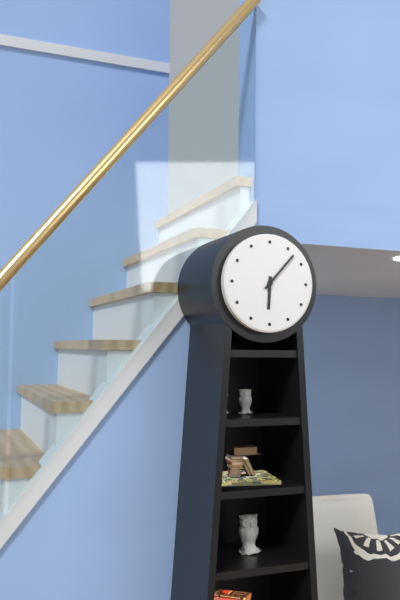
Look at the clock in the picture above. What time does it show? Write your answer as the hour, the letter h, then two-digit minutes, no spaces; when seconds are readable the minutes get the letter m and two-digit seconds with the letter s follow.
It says 6h07
